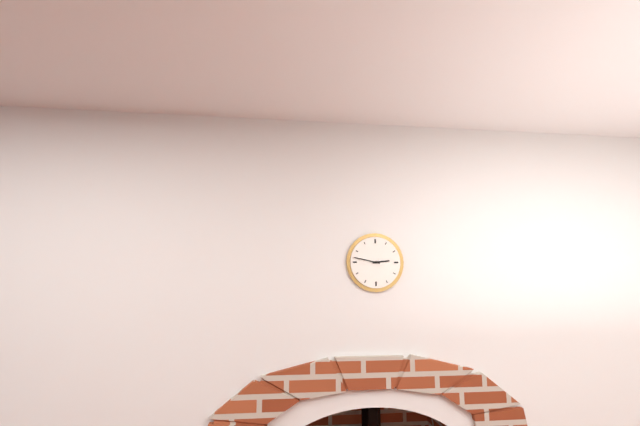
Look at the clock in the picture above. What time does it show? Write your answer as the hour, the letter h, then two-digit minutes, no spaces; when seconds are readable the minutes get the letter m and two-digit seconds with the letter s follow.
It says 2h47
